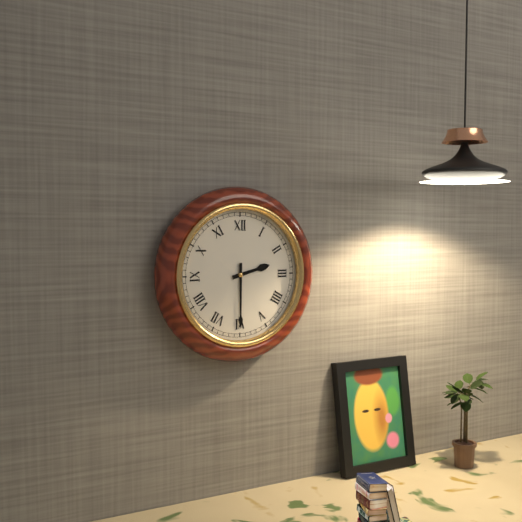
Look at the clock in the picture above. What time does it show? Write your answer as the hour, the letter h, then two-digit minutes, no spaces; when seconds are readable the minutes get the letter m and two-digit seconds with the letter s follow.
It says 2h30
